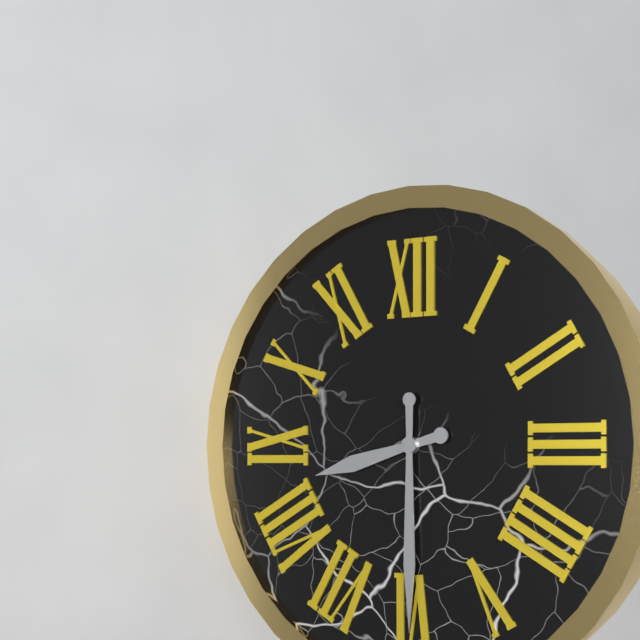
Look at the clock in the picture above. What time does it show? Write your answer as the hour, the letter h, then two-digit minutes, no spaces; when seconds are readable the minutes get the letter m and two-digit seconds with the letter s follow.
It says 8h30
